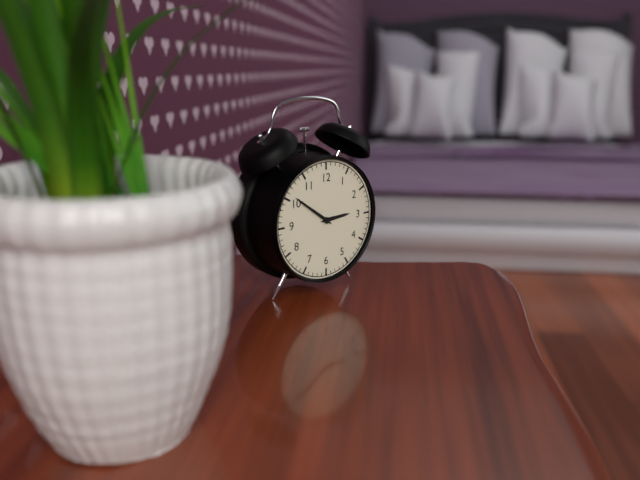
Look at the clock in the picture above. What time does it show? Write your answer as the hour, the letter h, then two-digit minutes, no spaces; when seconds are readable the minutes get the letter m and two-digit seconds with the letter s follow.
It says 2h51
